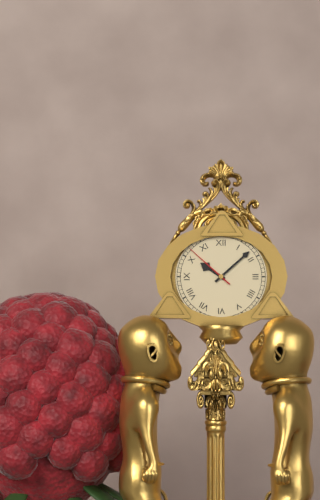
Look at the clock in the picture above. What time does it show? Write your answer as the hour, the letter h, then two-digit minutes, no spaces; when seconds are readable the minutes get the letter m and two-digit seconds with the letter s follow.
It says 10h08m52s
